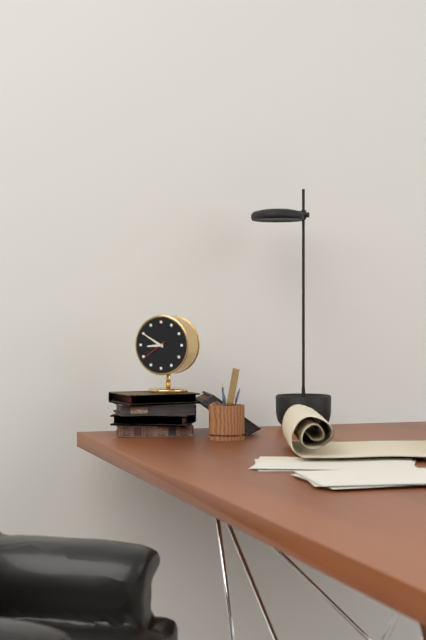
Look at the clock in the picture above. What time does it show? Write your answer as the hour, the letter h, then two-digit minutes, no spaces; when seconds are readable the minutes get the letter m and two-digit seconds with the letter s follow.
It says 8h50
